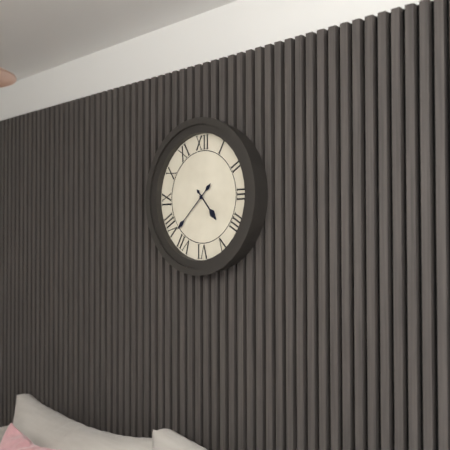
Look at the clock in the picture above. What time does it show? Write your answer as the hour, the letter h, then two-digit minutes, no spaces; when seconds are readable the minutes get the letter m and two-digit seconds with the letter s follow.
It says 4h38
